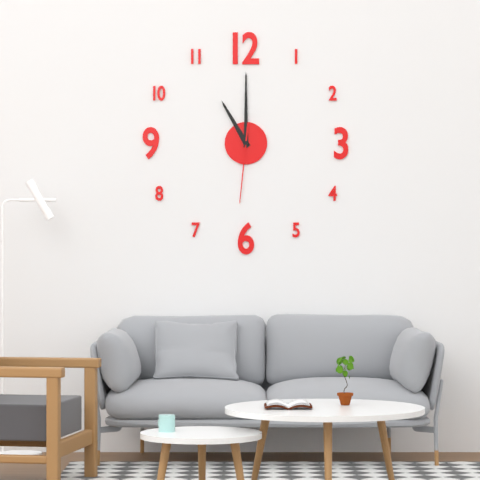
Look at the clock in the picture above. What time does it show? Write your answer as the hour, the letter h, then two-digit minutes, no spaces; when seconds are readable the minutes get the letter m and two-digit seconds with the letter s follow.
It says 11h00m31s
